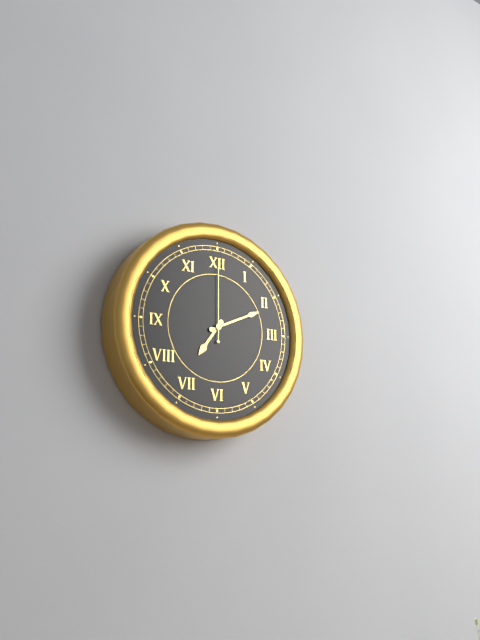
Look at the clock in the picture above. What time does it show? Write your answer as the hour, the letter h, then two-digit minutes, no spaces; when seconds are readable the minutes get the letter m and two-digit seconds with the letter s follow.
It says 7h11m00s
